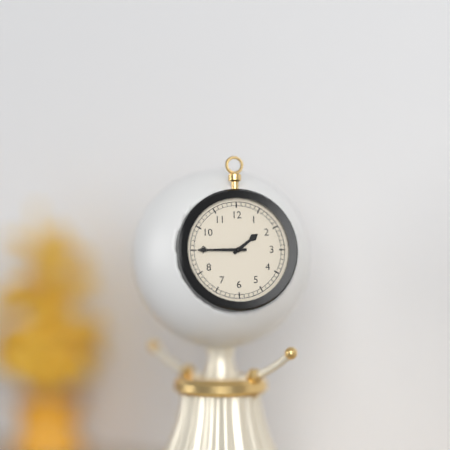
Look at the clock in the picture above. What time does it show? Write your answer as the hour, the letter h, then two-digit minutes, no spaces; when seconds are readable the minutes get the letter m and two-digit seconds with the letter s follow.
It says 1h45
